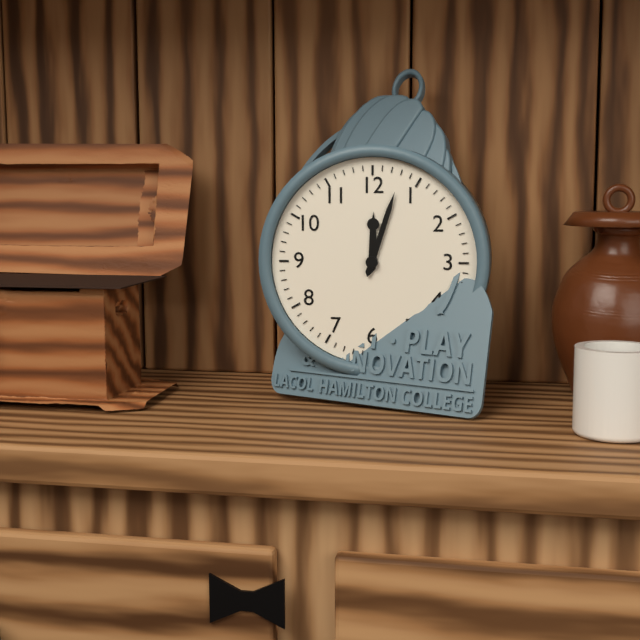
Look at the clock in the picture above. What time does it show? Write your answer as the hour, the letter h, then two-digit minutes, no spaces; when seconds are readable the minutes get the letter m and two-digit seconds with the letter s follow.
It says 12h03
